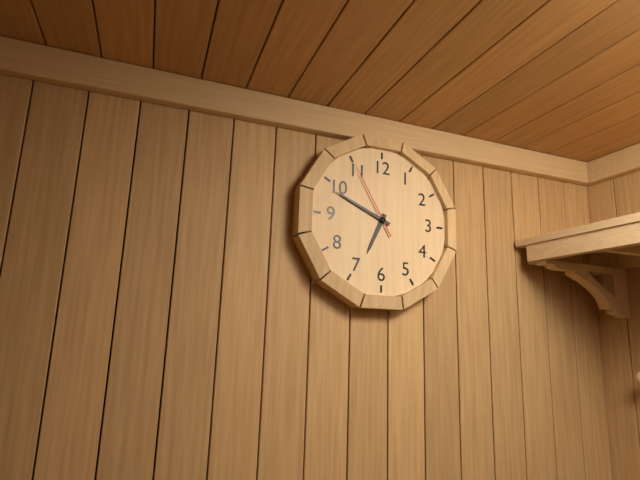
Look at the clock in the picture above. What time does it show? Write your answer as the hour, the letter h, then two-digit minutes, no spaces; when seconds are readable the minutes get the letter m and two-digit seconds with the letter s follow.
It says 6h49m55s
